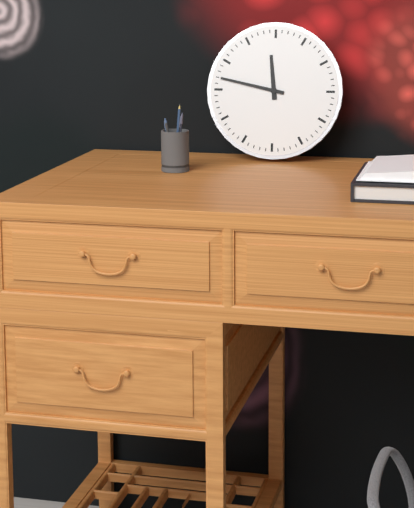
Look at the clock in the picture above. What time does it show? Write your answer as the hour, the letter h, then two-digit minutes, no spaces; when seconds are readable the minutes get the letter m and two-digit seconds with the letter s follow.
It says 11h47
